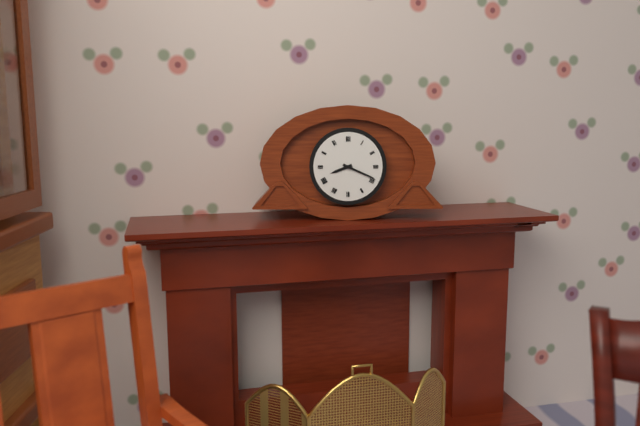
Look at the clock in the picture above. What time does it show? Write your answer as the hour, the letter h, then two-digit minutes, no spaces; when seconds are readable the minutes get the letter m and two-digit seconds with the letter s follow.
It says 8h19
